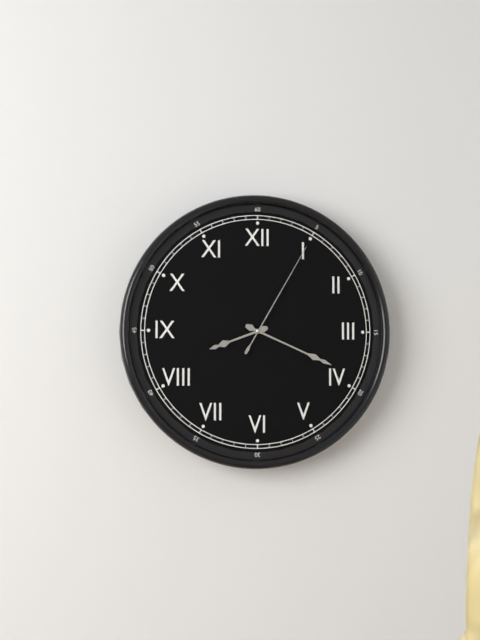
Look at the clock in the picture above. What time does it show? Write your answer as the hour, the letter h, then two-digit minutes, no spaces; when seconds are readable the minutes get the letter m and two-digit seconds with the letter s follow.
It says 8h19m05s
